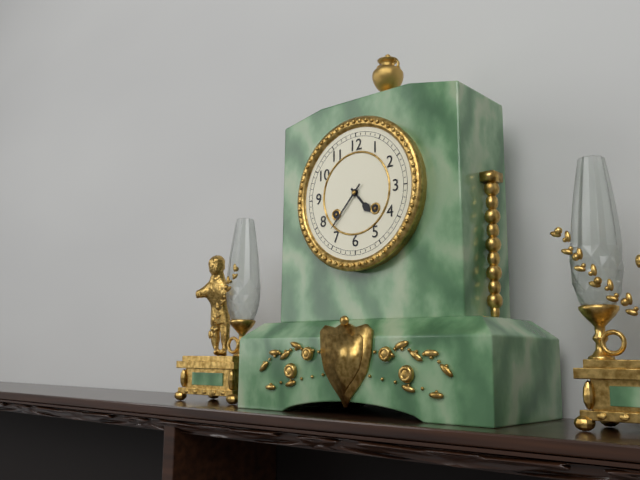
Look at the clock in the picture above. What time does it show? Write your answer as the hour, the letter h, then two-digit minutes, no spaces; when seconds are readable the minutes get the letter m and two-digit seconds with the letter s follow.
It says 4h37
